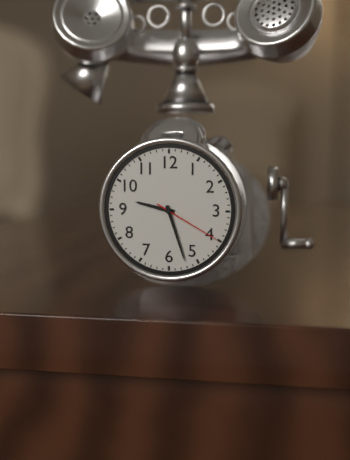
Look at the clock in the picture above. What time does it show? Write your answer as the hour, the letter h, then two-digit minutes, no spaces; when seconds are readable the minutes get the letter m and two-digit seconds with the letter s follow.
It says 9h27m20s
